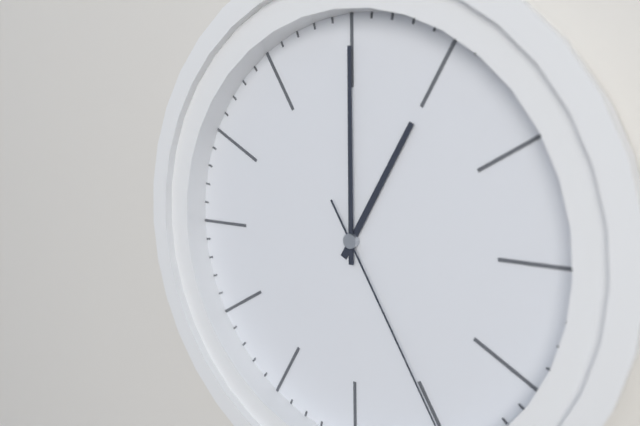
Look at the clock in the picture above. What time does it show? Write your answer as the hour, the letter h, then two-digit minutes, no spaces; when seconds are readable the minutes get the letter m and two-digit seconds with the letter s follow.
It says 1h00
